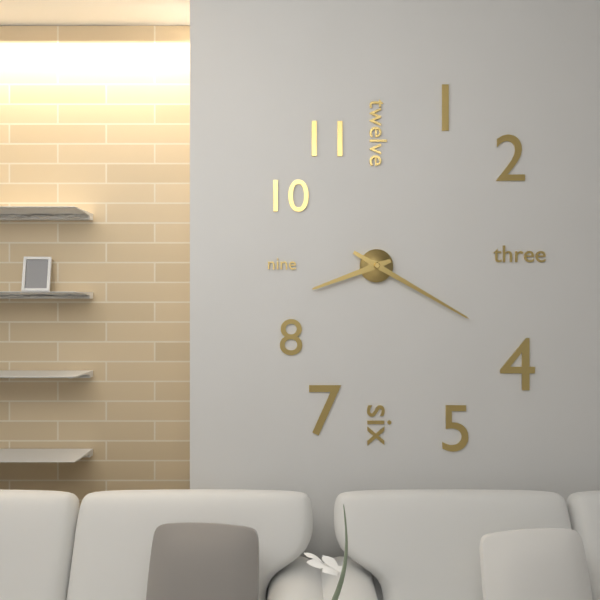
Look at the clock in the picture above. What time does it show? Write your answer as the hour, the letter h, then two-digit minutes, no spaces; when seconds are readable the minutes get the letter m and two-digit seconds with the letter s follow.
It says 8h20
